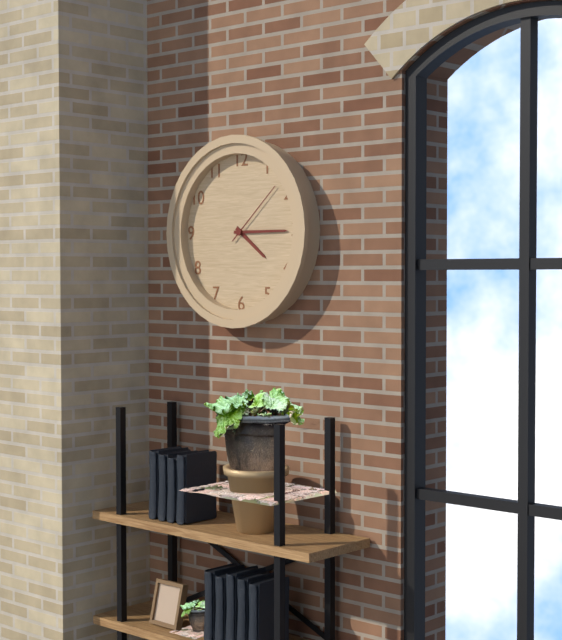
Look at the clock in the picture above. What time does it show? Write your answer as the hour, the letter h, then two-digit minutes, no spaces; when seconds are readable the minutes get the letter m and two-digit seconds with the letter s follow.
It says 4h15m08s
